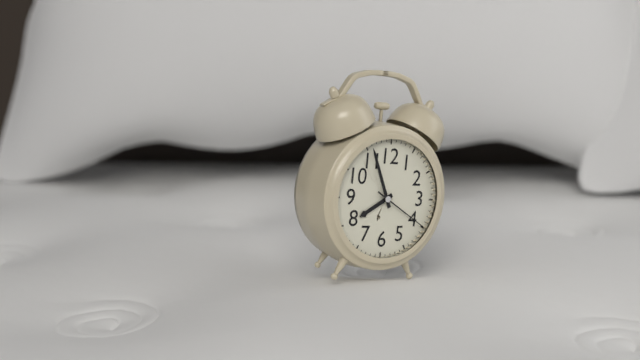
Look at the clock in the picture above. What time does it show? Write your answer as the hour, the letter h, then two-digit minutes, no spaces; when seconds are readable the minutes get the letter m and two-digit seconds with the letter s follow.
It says 7h56m20s
